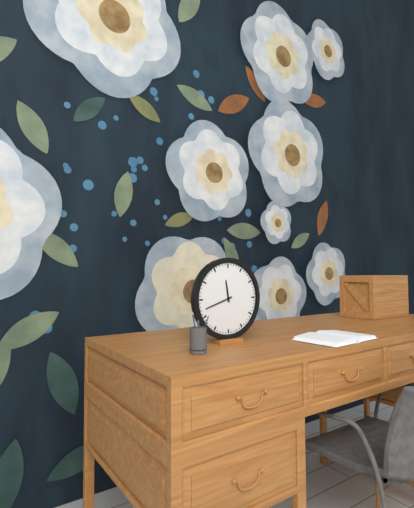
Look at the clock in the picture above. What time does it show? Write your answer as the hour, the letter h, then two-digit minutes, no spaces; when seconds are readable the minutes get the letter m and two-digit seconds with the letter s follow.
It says 11h42
